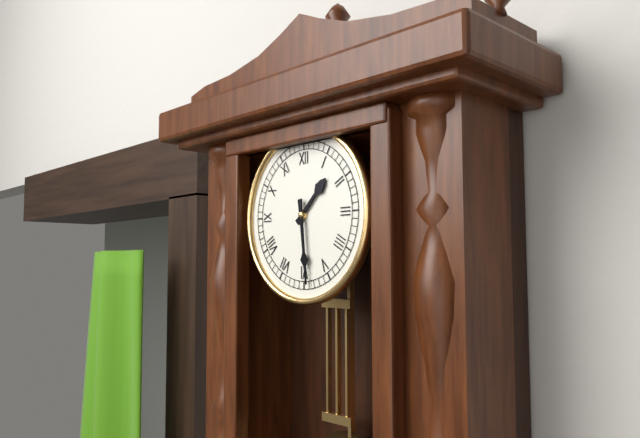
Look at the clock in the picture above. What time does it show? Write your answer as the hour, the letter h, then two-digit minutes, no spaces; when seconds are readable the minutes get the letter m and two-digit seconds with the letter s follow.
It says 1h29
